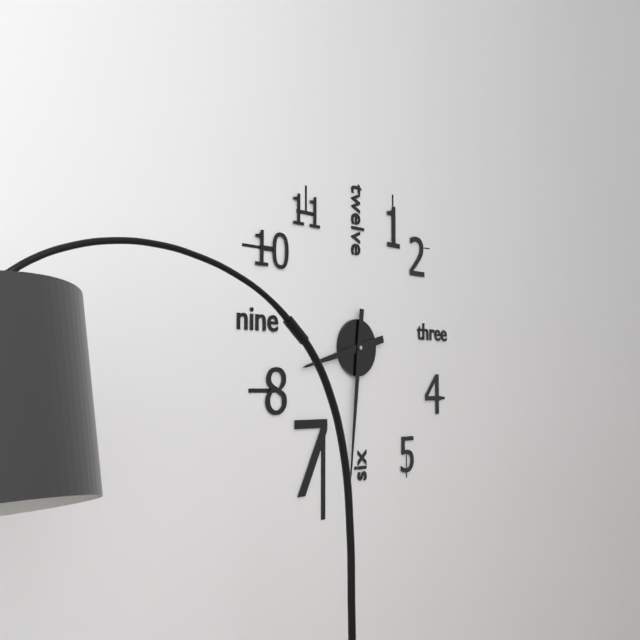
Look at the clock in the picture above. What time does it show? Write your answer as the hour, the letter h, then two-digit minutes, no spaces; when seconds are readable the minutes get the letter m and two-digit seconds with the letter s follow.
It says 8h31
